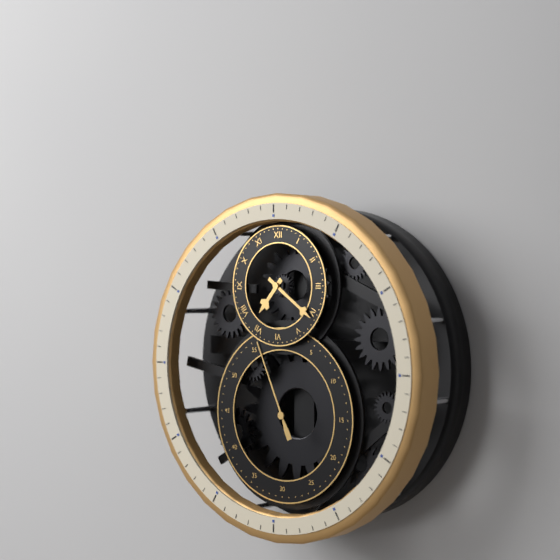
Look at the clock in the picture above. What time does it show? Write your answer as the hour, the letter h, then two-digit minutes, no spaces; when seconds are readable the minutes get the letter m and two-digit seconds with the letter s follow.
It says 7h21m56s
